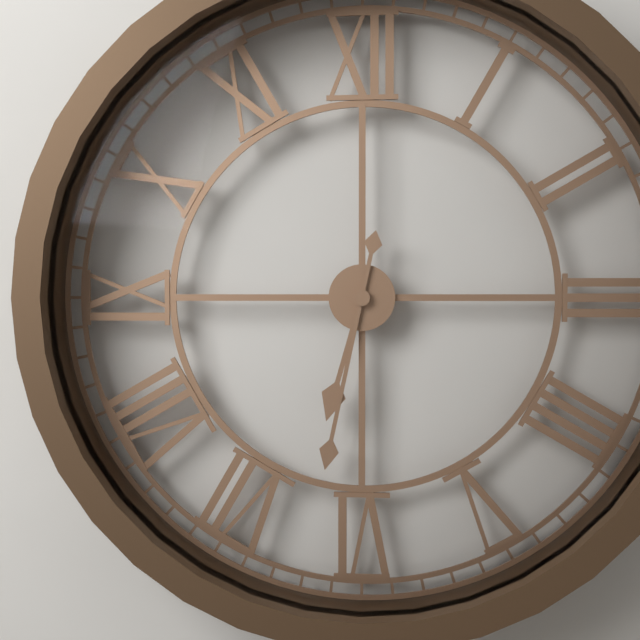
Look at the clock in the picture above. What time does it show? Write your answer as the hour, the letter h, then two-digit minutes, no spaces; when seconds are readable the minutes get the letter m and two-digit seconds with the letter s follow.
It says 6h32
